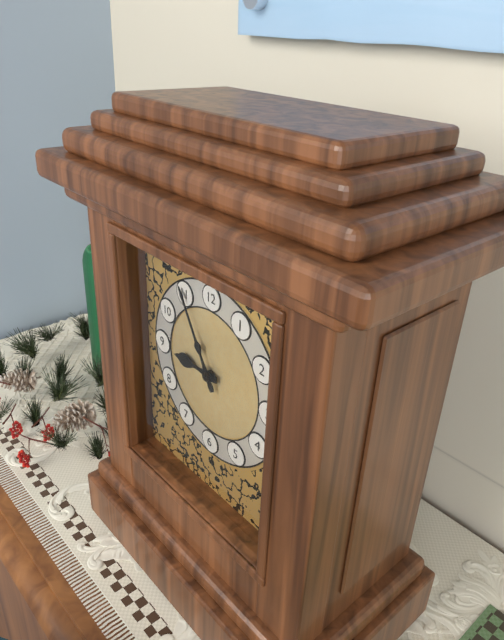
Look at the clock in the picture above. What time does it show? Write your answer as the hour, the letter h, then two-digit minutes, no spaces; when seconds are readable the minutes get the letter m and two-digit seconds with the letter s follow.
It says 8h55
